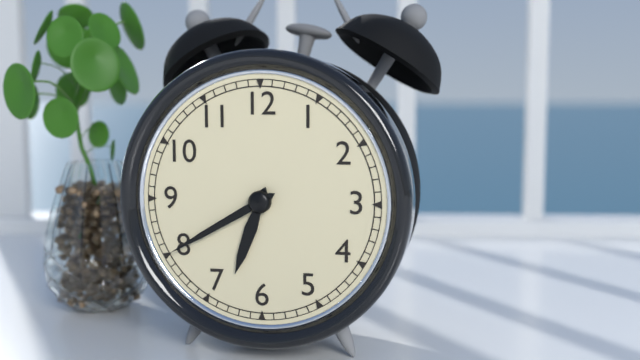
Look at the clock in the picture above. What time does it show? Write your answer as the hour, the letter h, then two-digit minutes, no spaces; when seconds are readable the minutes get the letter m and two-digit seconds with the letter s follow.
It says 6h40
